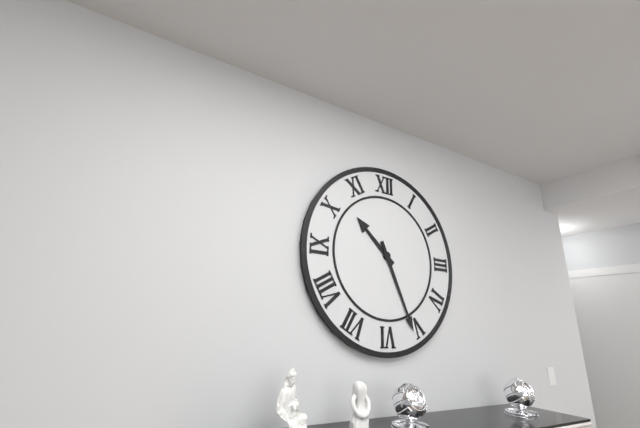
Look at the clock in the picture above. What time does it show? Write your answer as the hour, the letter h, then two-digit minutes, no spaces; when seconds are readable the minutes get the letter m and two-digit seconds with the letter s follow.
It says 10h26
